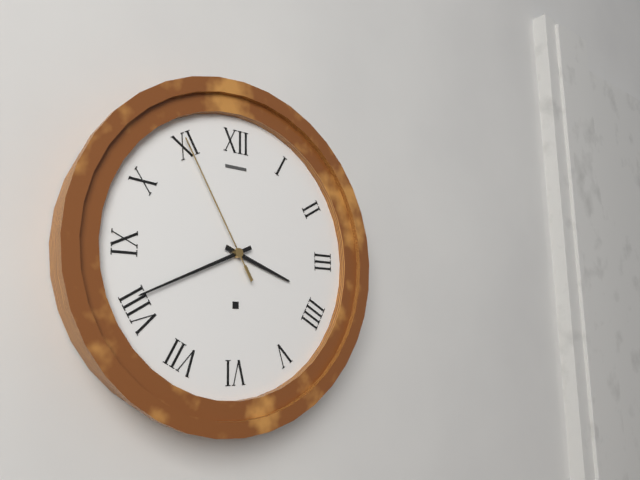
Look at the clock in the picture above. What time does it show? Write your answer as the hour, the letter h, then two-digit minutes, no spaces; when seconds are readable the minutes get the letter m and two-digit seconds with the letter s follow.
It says 3h41m55s
